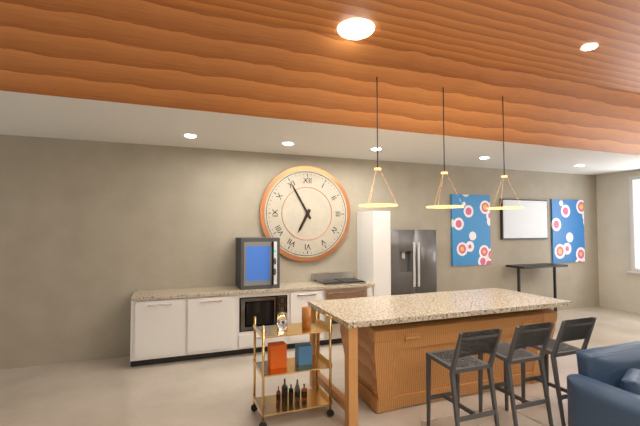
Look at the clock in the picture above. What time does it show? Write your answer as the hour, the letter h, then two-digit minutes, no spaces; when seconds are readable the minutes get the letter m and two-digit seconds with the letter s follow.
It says 6h55
